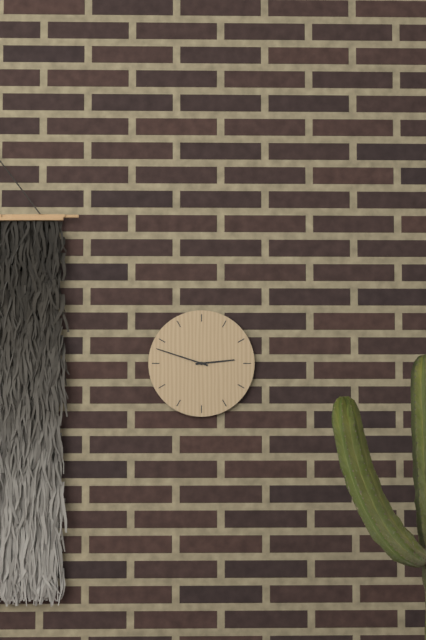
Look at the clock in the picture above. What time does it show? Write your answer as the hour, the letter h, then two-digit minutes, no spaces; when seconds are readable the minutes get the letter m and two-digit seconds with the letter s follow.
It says 2h48
